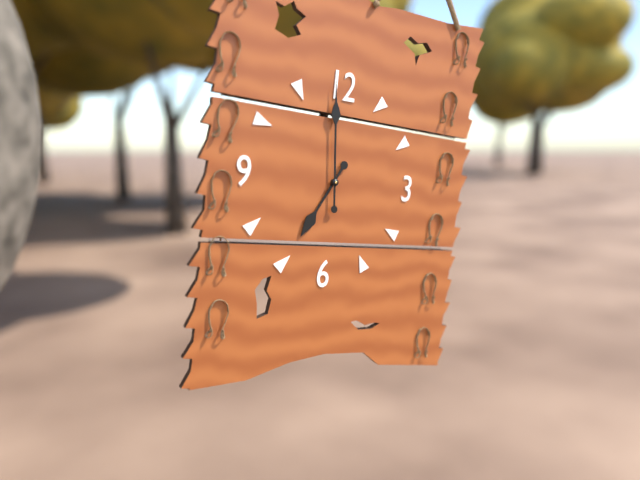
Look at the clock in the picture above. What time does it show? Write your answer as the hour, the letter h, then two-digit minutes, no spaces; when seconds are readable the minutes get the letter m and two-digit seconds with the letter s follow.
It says 6h59
